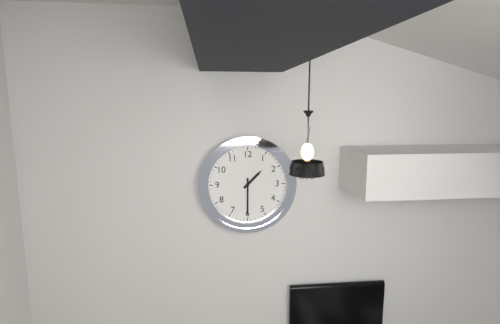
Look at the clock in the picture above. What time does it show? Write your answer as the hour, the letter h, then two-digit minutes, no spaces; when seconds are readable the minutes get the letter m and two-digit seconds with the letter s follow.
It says 1h30
